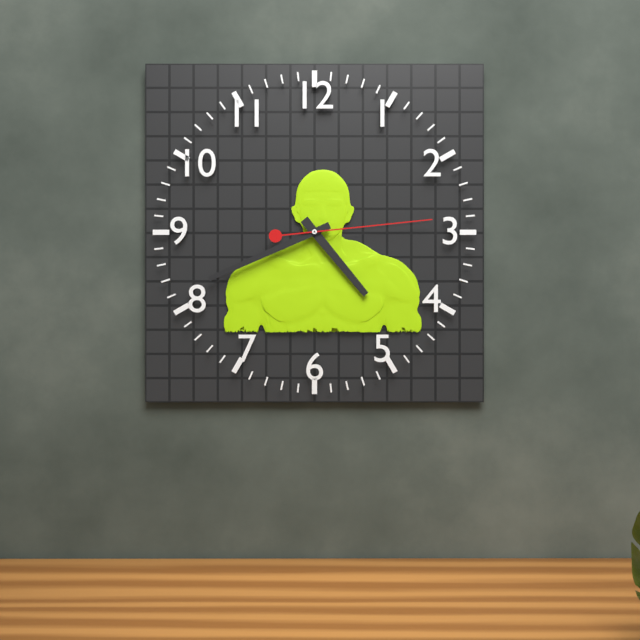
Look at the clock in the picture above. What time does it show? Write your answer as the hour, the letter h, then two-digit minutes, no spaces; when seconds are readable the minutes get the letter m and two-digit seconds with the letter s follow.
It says 4h41m14s
